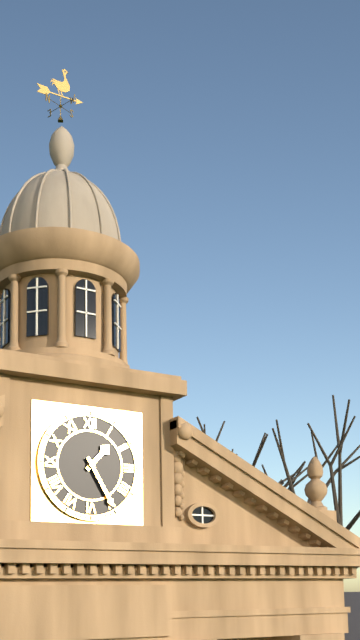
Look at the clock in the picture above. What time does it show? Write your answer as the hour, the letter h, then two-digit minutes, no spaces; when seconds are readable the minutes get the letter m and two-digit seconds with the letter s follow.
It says 1h25
